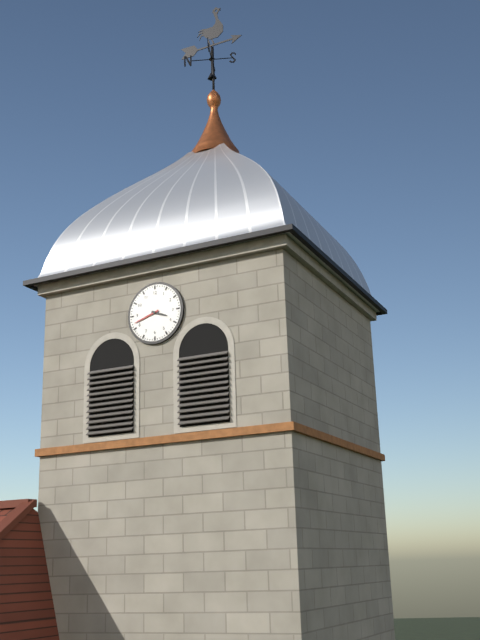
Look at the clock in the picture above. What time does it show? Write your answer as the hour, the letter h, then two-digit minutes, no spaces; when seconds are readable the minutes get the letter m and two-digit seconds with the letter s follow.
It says 3h42
